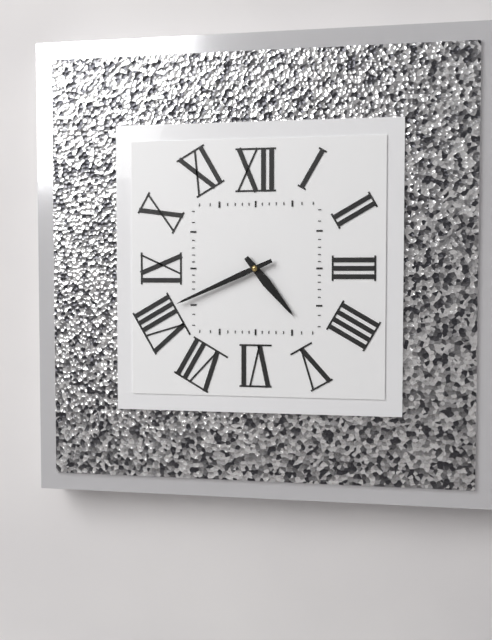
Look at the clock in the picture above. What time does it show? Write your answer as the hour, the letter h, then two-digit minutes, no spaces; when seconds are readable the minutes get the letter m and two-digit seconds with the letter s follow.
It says 4h41
